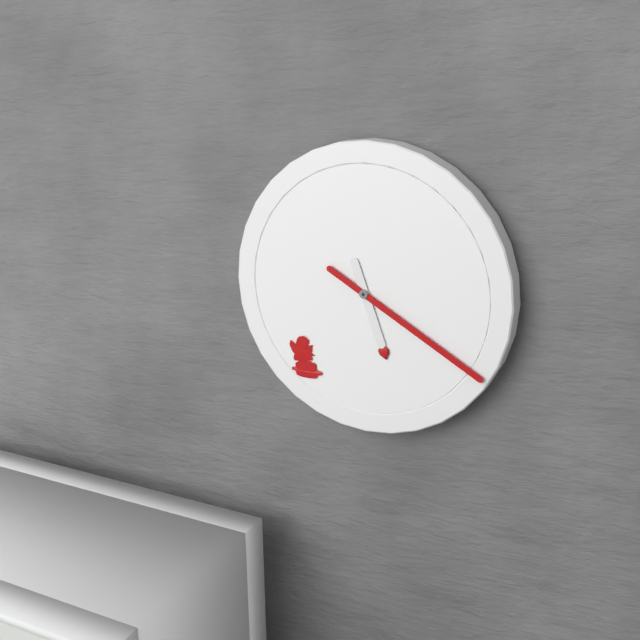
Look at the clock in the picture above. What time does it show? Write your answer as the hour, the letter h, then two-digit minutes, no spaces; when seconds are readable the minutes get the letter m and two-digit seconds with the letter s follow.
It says 5h20
